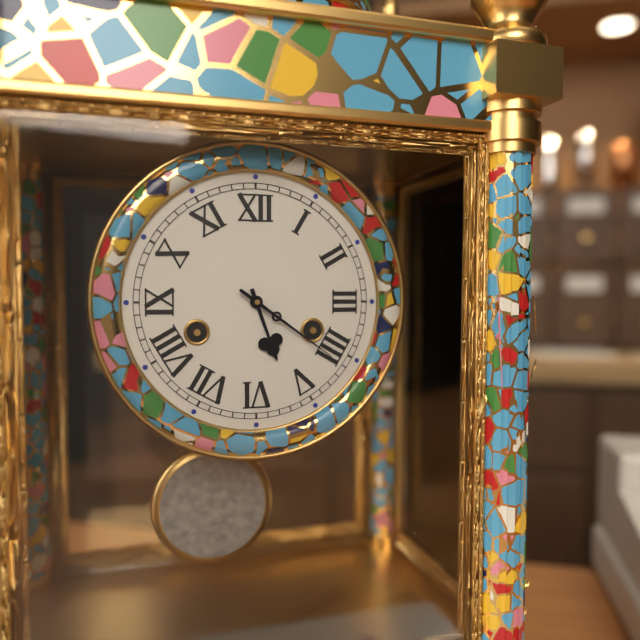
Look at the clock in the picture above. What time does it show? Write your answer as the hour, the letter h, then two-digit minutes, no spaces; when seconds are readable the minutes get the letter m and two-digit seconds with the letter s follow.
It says 5h21
